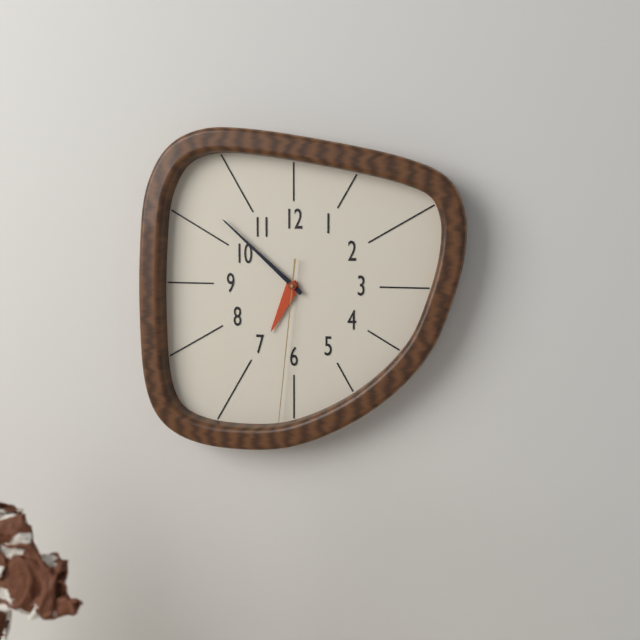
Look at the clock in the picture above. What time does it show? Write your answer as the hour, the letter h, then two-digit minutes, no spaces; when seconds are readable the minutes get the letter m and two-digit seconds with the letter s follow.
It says 6h52m31s
